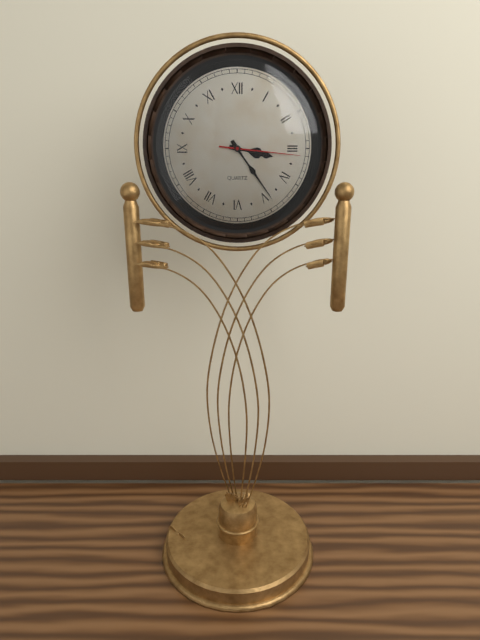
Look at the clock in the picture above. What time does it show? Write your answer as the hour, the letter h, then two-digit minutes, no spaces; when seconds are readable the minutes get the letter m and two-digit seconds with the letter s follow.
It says 3h24m16s
